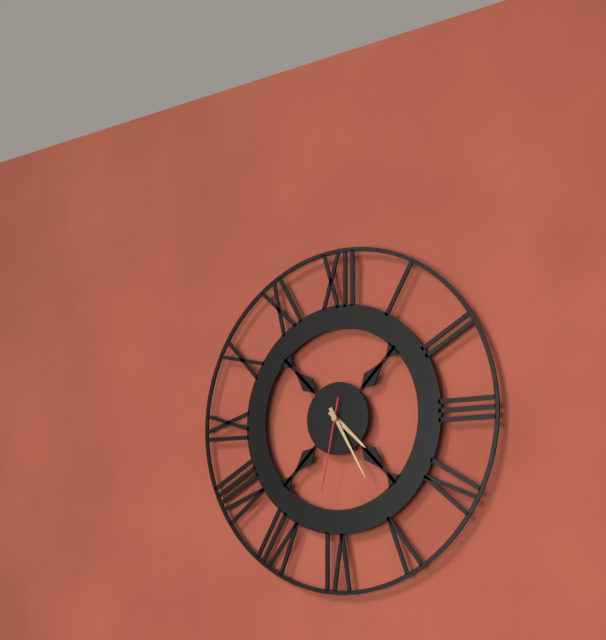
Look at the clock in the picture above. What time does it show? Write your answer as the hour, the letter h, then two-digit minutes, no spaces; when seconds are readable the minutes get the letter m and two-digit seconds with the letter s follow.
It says 4h25m32s
